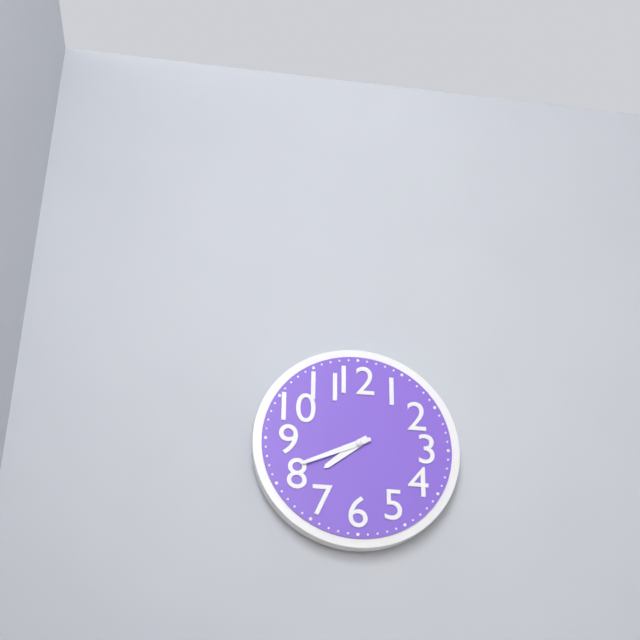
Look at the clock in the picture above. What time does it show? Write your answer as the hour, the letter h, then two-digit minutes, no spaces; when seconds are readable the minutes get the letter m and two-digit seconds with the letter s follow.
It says 7h41
